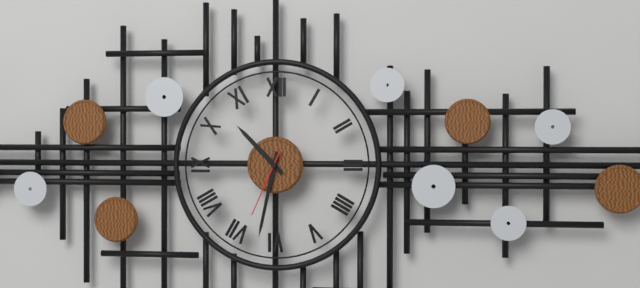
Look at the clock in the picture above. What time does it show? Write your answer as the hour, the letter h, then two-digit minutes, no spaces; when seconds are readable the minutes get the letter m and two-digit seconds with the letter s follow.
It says 10h32m34s
